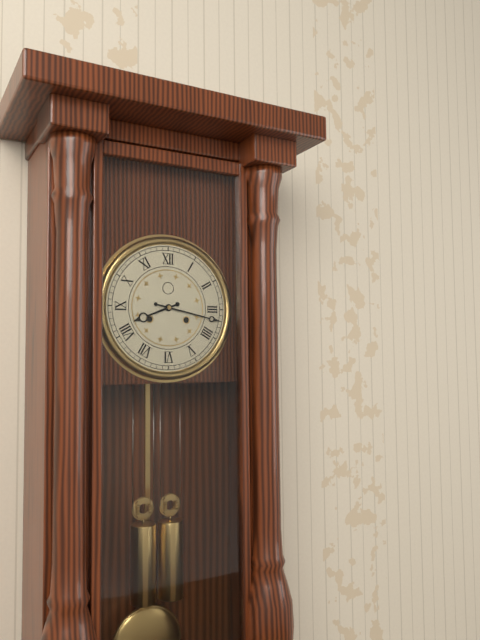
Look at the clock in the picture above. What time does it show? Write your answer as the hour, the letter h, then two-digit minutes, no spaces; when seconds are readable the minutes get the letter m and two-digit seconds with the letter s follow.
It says 8h17
